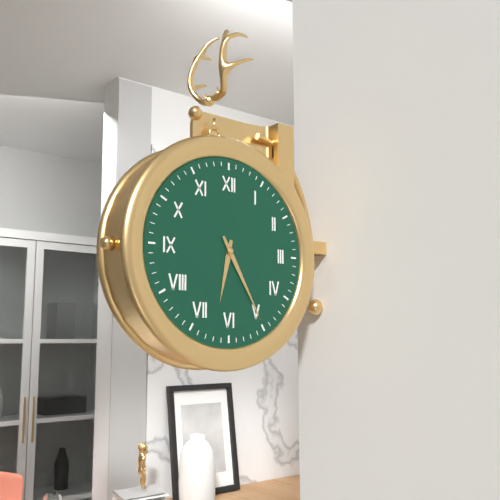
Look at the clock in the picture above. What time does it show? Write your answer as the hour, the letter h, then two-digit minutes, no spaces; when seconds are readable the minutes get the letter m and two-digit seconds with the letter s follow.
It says 6h25
